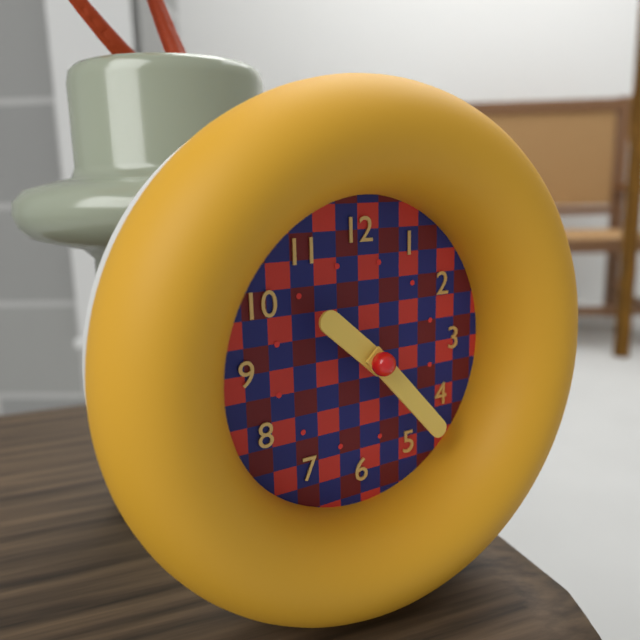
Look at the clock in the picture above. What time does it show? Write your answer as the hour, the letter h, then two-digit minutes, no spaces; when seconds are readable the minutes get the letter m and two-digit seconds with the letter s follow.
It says 10h23
